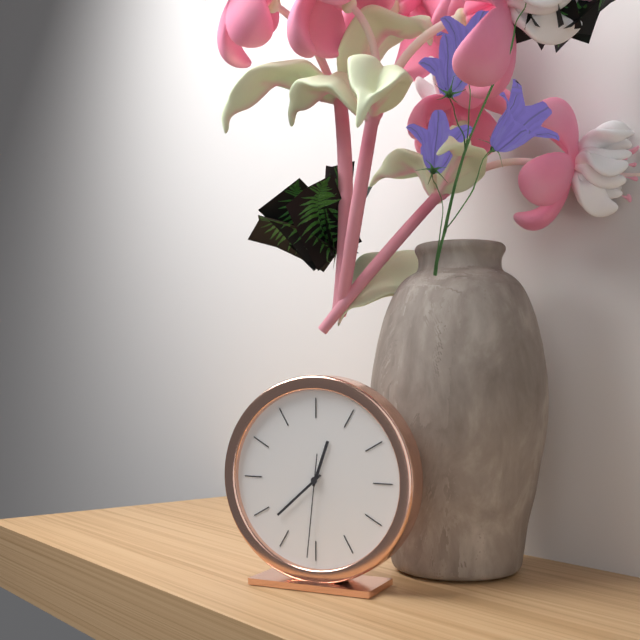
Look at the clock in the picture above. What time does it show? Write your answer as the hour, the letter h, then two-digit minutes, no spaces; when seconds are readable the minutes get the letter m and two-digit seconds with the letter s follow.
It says 12h38m31s
